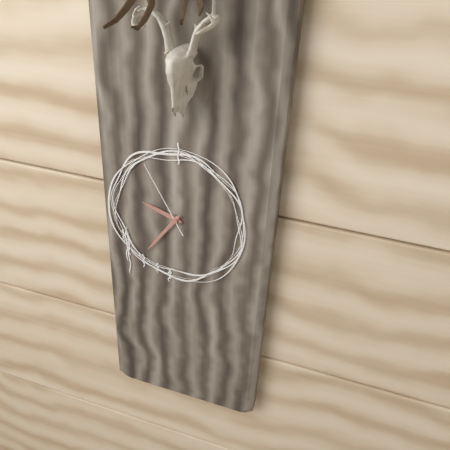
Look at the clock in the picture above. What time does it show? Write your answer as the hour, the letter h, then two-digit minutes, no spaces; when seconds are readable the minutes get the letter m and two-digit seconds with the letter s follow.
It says 9h36m55s
